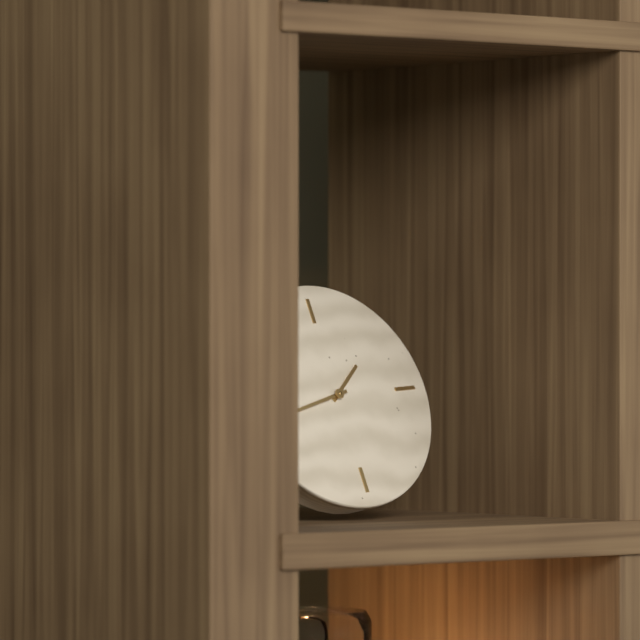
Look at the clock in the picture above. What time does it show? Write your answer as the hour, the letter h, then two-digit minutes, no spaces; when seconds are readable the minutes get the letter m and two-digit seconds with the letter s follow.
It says 1h43
